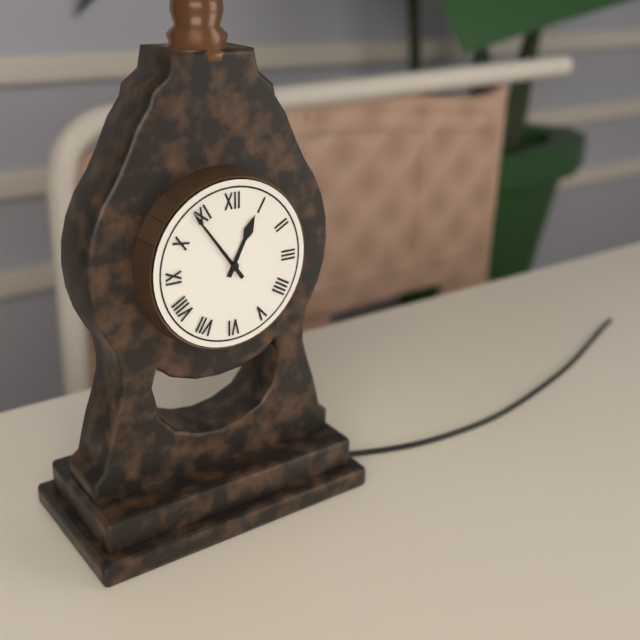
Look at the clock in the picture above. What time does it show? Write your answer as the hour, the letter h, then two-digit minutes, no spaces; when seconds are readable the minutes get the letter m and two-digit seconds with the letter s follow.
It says 12h54
